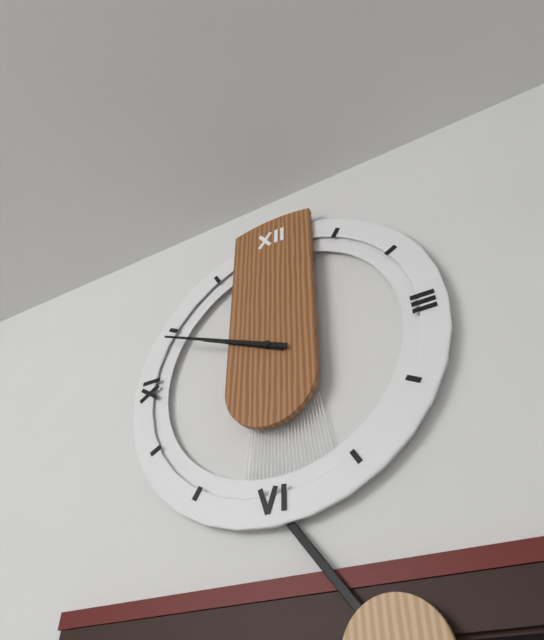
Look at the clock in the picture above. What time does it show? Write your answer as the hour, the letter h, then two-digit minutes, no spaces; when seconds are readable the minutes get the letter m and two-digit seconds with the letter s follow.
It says 9h49
